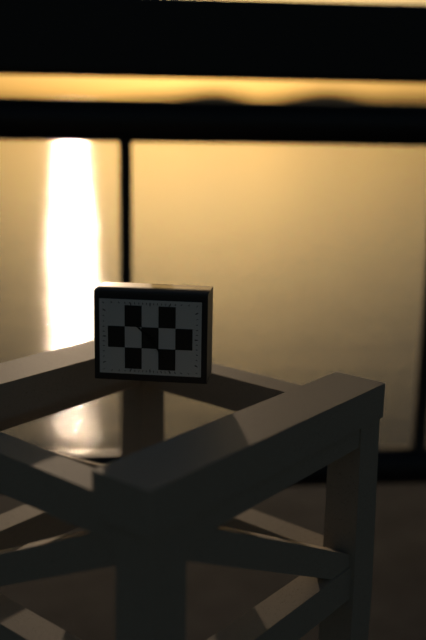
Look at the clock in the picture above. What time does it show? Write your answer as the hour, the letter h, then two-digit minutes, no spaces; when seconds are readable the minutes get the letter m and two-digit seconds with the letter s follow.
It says 10h24
